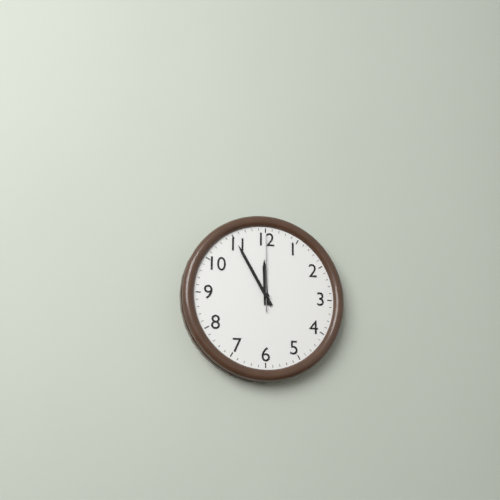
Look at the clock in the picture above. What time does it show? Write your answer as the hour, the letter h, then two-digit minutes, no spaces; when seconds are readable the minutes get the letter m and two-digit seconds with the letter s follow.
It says 11h55m00s
